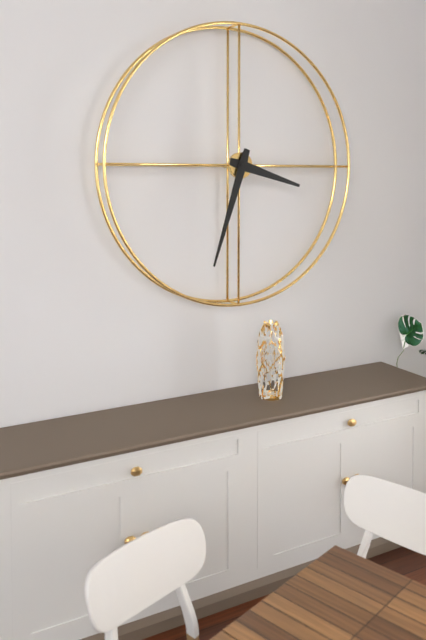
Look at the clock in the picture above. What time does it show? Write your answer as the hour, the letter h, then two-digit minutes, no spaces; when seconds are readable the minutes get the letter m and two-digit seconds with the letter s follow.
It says 3h33
